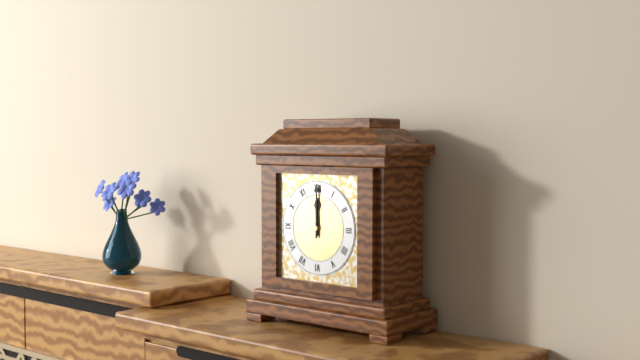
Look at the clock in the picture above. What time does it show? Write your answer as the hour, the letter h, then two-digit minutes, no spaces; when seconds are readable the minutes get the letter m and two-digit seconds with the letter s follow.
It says 12h00
